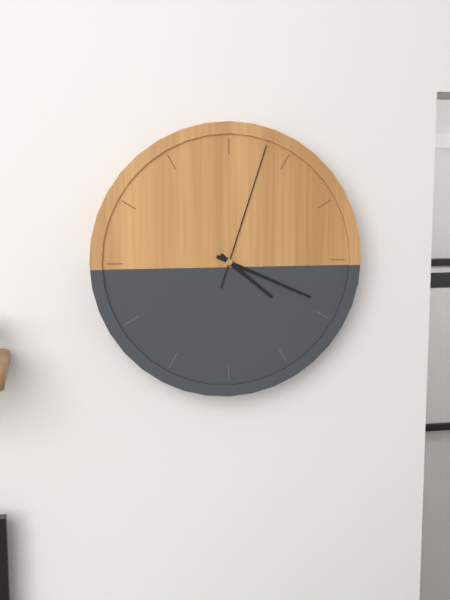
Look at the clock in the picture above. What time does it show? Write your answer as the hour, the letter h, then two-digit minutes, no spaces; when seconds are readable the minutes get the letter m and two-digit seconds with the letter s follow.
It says 4h19m03s
